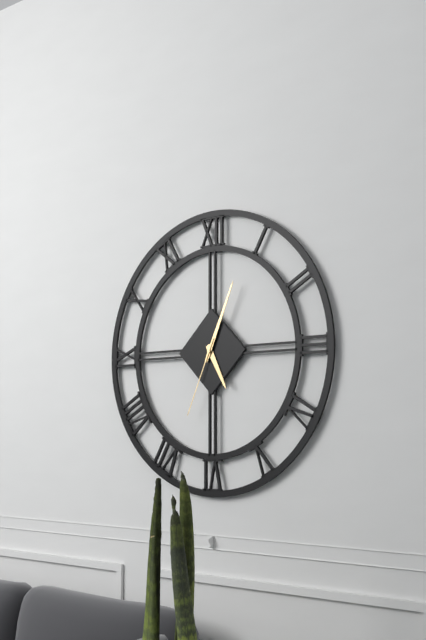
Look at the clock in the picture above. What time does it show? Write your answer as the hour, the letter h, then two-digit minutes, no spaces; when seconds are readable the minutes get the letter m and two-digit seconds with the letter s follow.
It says 5h04m34s
